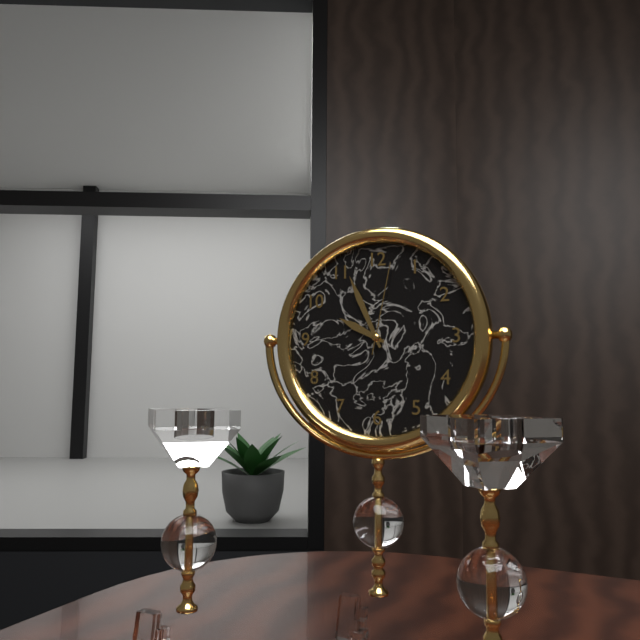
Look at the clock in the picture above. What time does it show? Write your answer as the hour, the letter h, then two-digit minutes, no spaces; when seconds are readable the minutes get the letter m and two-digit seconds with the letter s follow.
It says 9h56m02s
